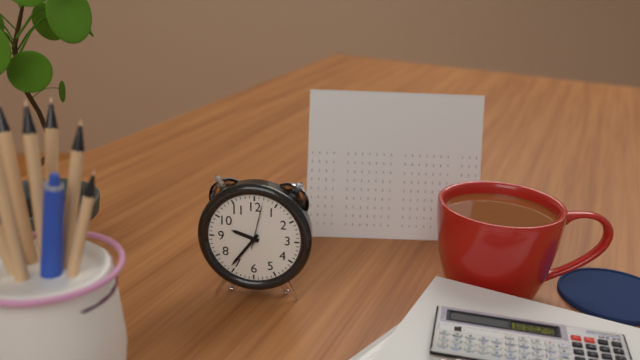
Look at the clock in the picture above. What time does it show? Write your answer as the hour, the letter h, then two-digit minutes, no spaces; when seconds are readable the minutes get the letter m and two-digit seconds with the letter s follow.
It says 9h36
